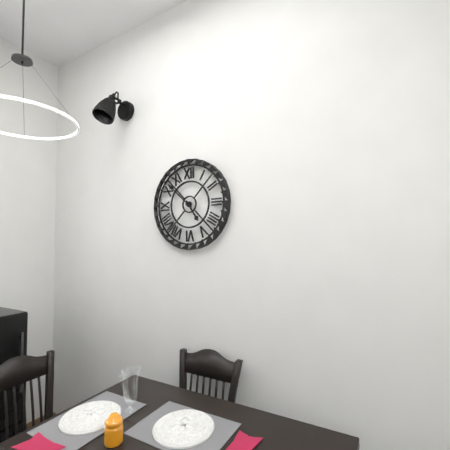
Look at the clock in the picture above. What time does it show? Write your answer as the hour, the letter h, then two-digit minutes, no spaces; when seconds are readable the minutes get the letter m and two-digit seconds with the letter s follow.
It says 4h52
